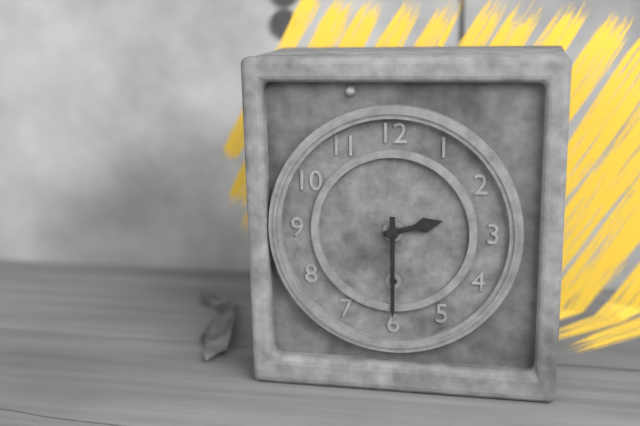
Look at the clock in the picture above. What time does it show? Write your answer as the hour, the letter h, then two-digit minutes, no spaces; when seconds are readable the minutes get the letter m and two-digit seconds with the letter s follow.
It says 2h30
